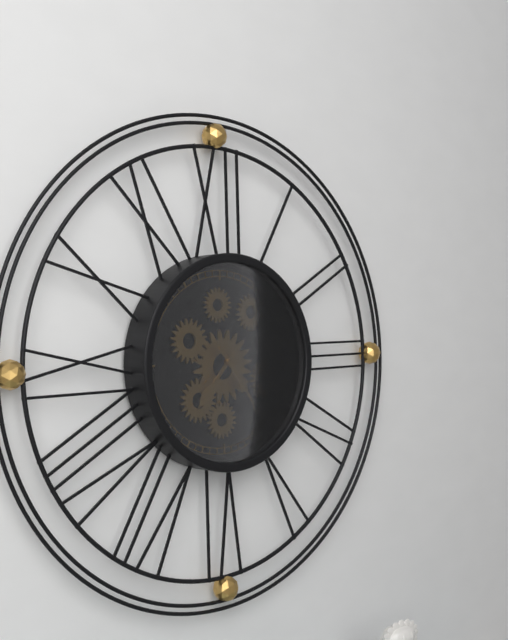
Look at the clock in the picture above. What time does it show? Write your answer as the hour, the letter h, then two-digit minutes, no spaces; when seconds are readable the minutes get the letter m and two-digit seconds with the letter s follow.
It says 7h24
